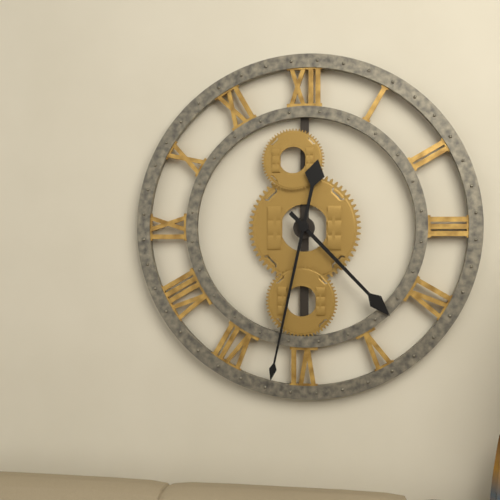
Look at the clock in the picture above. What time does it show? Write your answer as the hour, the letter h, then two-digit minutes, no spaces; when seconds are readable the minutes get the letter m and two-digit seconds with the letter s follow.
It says 4h32
